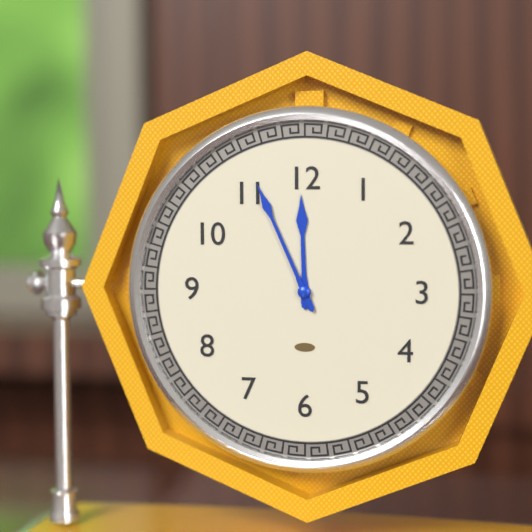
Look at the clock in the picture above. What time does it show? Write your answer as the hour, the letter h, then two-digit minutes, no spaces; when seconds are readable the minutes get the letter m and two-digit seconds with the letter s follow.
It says 11h56
